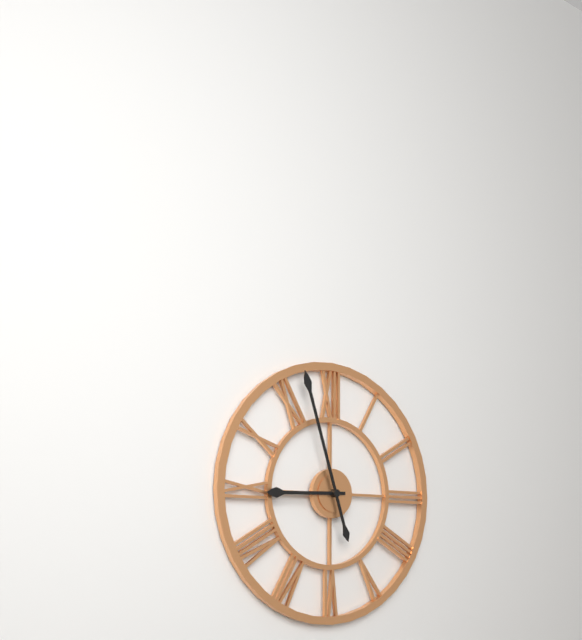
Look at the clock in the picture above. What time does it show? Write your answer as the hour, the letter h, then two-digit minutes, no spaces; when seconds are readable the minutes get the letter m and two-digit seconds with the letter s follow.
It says 8h57
